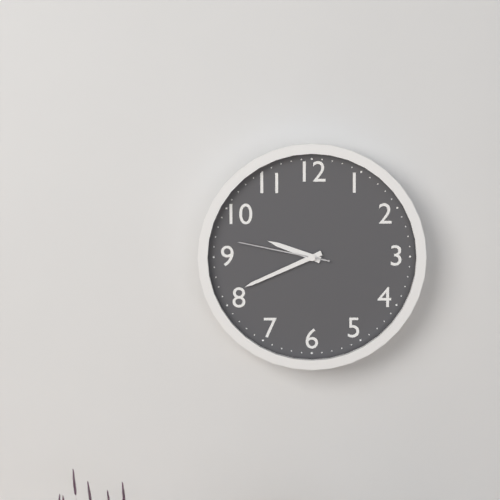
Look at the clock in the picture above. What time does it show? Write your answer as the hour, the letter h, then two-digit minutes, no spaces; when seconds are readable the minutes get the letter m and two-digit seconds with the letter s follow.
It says 9h41m47s
